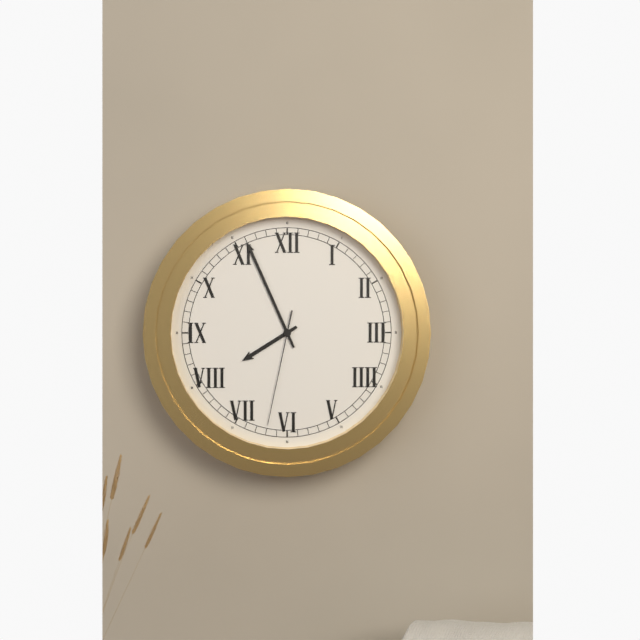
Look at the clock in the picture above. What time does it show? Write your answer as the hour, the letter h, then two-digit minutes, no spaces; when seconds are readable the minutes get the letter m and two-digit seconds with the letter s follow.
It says 7h56m32s
